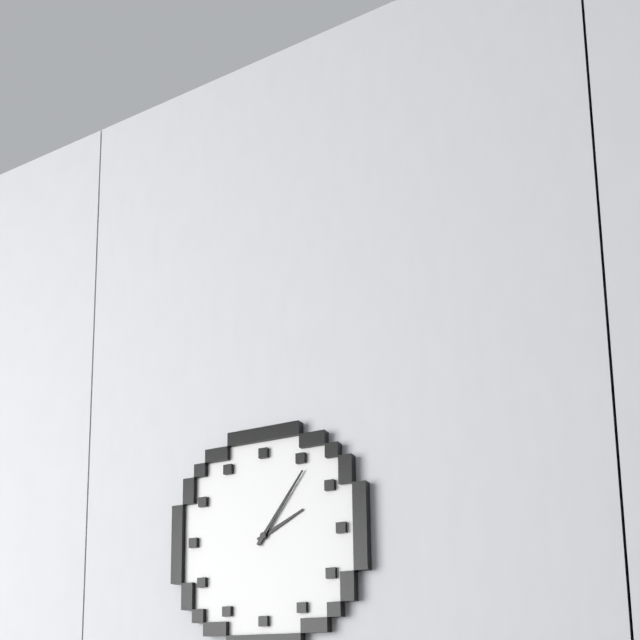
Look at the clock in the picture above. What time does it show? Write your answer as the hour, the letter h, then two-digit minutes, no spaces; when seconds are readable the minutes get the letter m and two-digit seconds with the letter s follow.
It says 2h06
